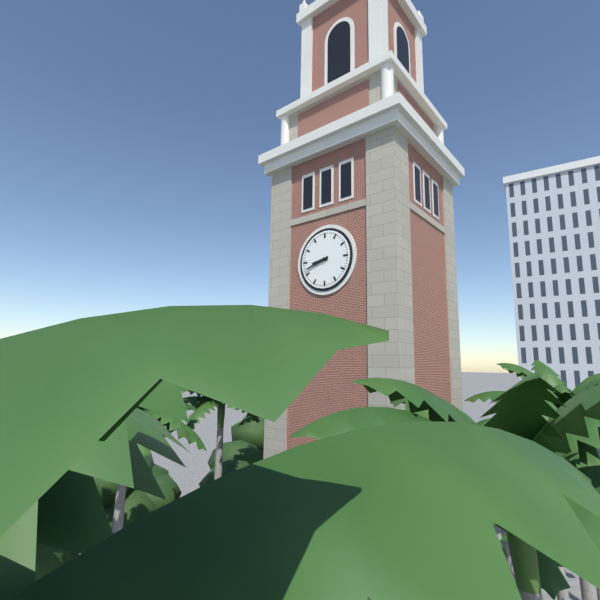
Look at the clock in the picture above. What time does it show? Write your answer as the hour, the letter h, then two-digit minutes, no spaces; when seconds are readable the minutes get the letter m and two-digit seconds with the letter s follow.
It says 8h42
